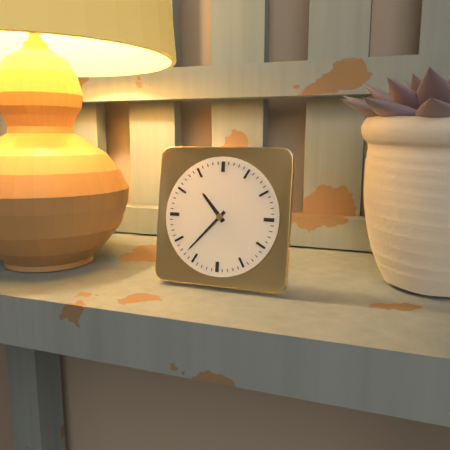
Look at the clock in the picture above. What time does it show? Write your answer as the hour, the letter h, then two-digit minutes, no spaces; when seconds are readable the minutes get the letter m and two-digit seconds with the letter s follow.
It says 10h37
